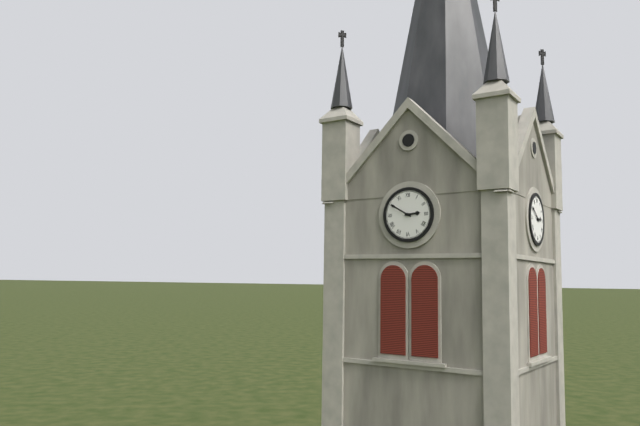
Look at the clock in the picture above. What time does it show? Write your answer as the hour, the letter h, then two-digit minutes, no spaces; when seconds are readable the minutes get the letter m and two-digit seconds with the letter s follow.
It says 2h50
